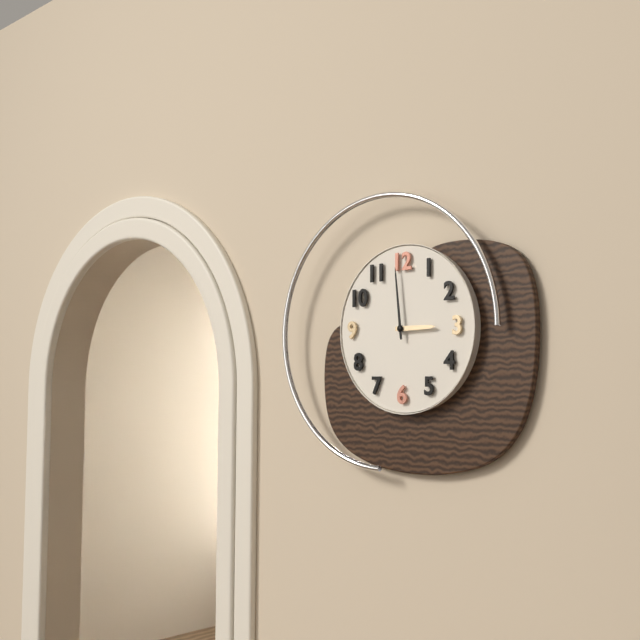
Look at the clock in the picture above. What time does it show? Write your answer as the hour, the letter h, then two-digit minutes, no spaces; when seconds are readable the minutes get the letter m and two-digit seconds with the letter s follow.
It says 2h59
